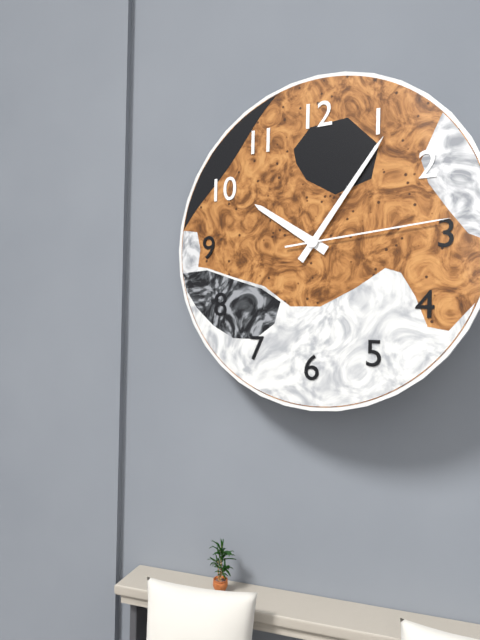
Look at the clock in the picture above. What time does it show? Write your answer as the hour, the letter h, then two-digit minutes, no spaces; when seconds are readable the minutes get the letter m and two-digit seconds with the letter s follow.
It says 10h06m14s
